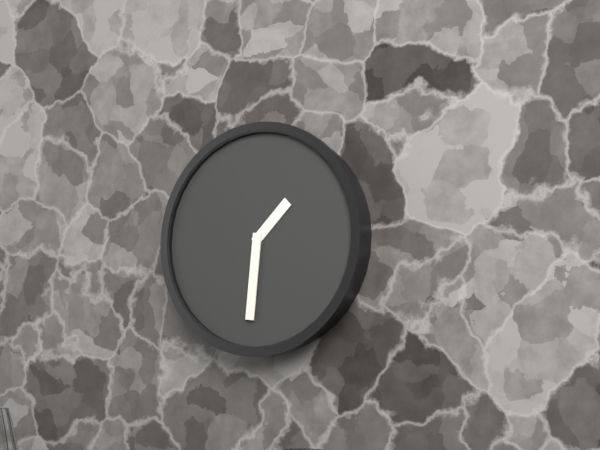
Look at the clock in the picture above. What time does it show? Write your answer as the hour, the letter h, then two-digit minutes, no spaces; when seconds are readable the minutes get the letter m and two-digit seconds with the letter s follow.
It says 1h31
